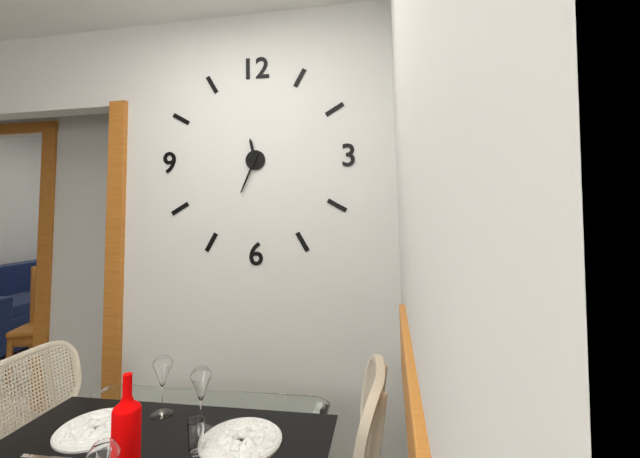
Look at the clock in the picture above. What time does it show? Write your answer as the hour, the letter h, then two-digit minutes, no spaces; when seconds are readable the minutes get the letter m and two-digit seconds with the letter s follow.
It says 11h34
